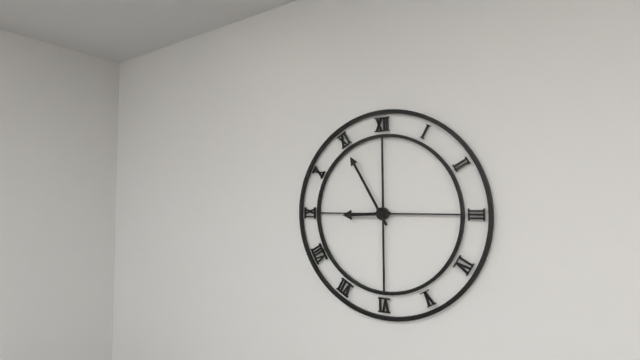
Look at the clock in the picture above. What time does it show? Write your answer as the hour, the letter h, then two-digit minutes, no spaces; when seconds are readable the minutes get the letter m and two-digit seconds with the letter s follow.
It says 8h55
